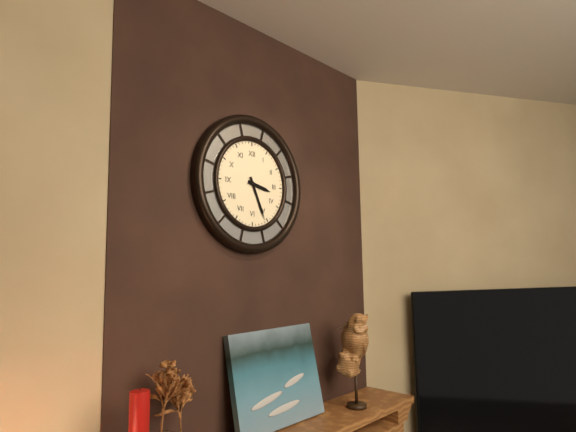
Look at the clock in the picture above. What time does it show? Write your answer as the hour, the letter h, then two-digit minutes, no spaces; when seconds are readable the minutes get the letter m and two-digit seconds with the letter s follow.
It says 3h26
